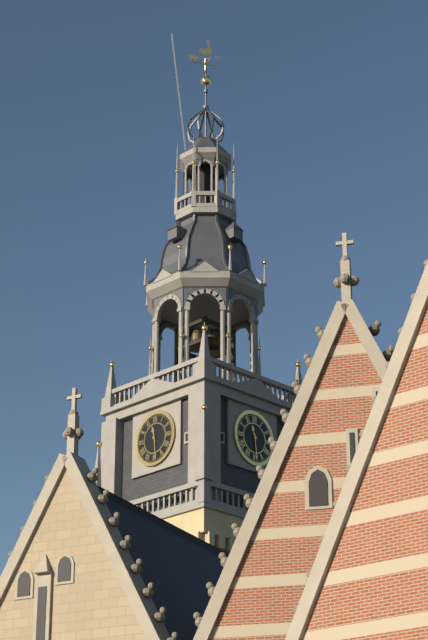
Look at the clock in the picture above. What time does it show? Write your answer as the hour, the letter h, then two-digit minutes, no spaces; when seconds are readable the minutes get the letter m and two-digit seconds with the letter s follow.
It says 11h29
